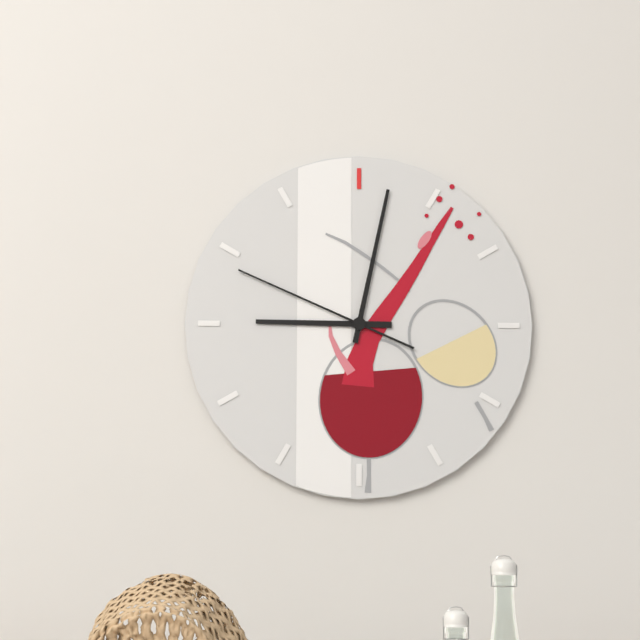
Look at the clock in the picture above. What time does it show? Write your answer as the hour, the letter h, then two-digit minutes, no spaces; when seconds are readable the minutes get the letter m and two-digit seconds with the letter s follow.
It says 9h02m49s
